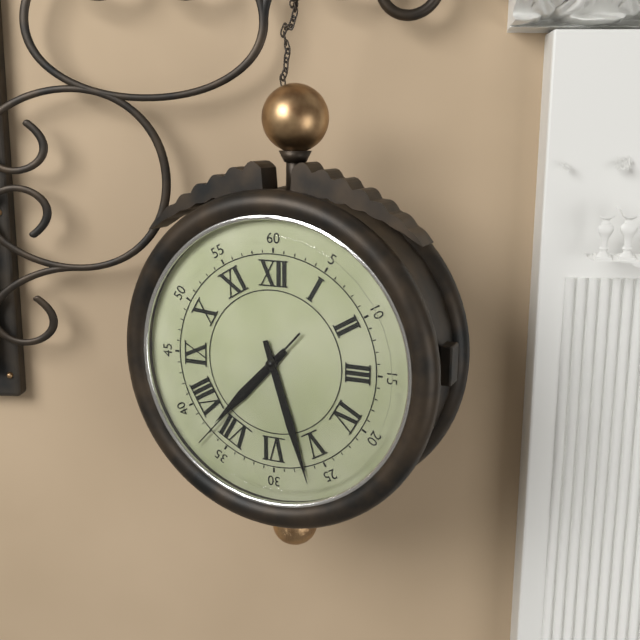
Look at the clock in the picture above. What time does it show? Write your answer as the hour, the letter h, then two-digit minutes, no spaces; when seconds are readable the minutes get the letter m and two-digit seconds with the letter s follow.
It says 7h27m37s
